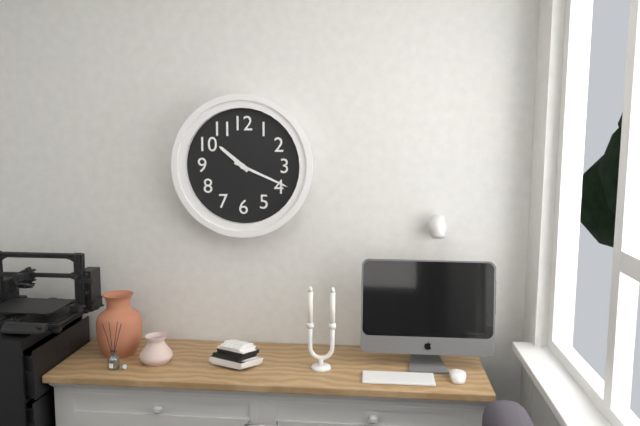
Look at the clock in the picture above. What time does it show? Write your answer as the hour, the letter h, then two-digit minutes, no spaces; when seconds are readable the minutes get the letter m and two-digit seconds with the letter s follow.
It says 10h19
